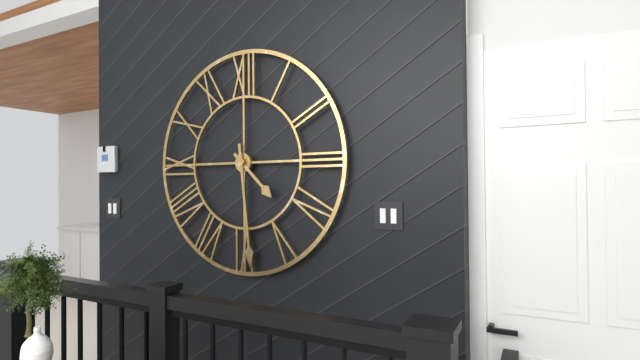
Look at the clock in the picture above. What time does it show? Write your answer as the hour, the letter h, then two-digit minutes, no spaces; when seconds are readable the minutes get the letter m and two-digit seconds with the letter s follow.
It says 4h29
